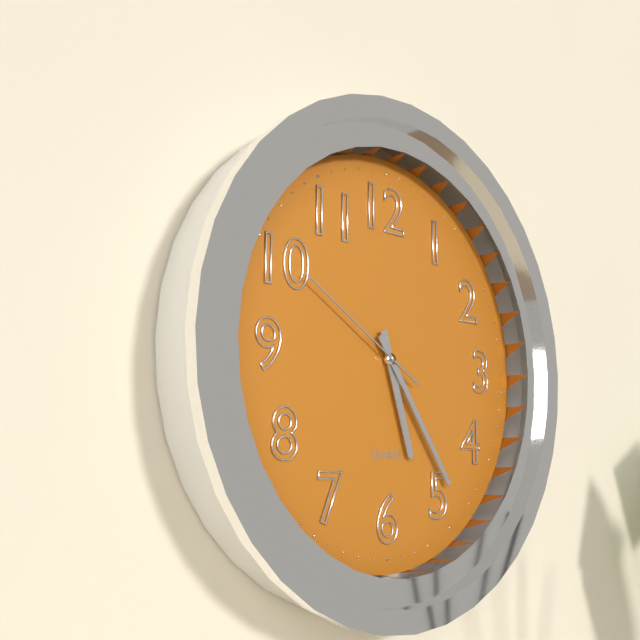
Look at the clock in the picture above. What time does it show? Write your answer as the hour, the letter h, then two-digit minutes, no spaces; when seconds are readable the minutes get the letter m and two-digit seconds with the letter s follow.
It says 5h24m50s
